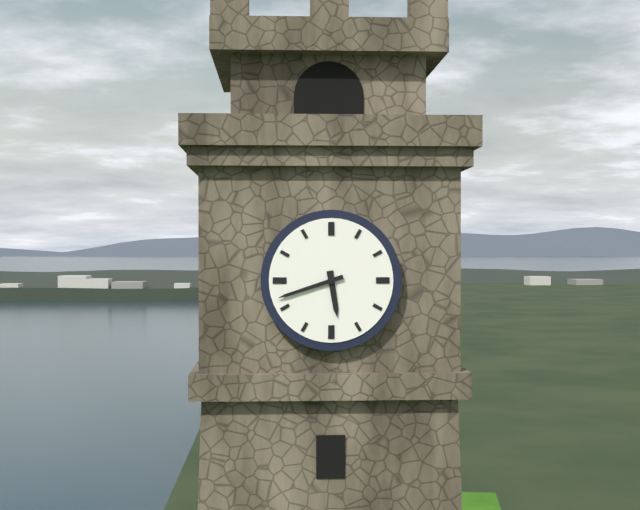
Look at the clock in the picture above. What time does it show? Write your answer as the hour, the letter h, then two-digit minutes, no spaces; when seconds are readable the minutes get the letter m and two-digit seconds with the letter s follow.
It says 5h42
